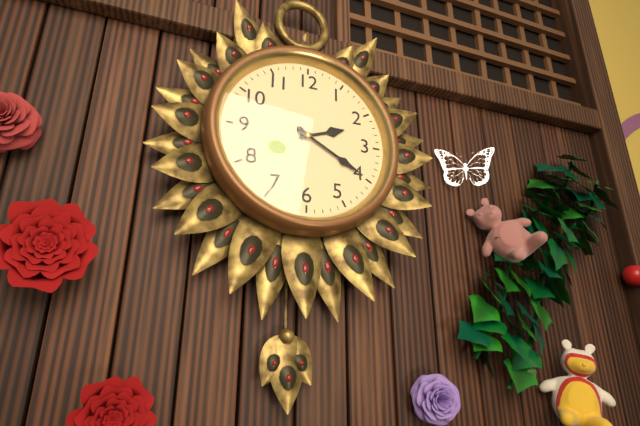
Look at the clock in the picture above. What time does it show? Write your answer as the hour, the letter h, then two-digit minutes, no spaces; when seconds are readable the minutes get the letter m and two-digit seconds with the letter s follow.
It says 2h20
